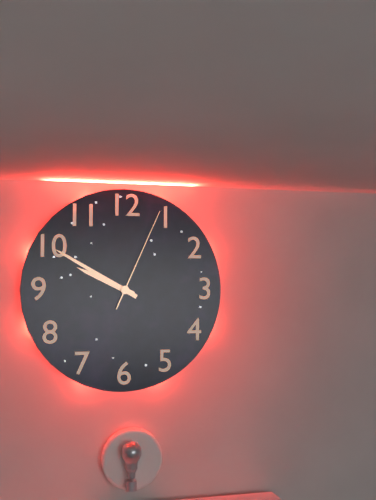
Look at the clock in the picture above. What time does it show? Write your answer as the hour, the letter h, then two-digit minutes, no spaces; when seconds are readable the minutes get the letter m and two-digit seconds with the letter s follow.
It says 9h50m04s
